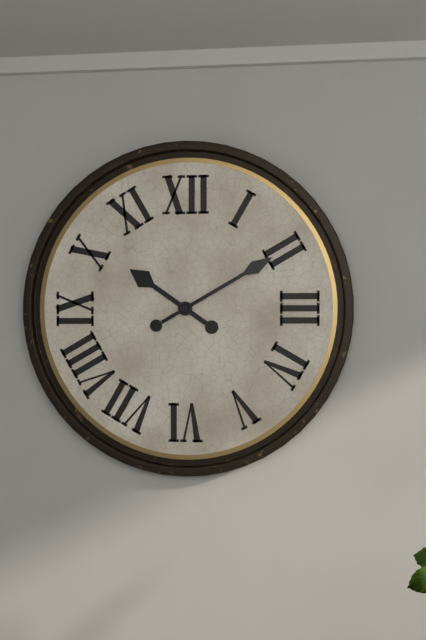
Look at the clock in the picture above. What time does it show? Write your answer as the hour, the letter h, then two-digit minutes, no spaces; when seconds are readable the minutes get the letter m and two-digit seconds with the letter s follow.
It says 10h10
